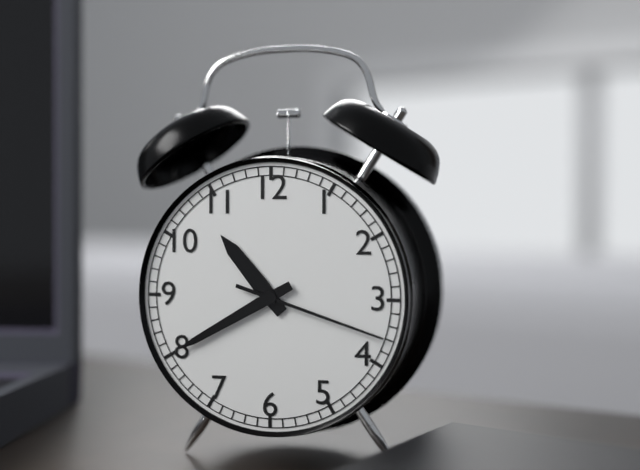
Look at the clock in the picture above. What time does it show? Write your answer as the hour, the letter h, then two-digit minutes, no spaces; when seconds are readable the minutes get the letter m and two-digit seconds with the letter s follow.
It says 10h40m18s
